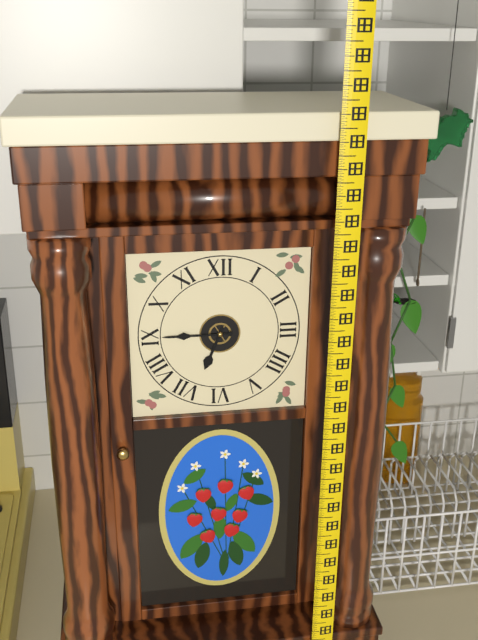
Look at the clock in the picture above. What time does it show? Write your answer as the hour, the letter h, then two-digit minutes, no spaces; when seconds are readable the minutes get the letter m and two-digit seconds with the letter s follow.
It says 6h45
